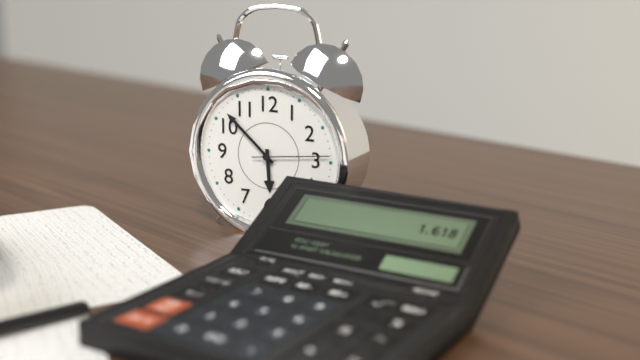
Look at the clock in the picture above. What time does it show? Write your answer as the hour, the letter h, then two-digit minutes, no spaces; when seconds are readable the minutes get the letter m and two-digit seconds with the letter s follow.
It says 5h52m14s
